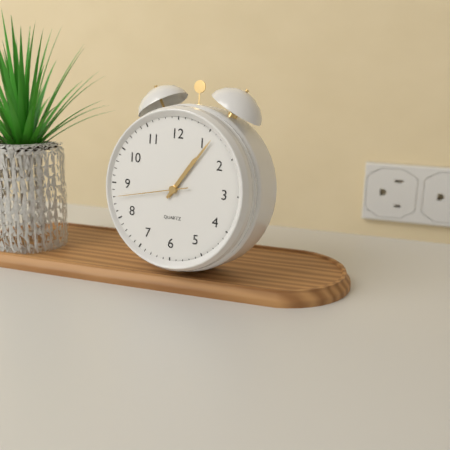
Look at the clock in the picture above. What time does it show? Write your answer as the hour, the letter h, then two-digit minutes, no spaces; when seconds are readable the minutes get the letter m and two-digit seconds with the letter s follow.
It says 1h06m43s
